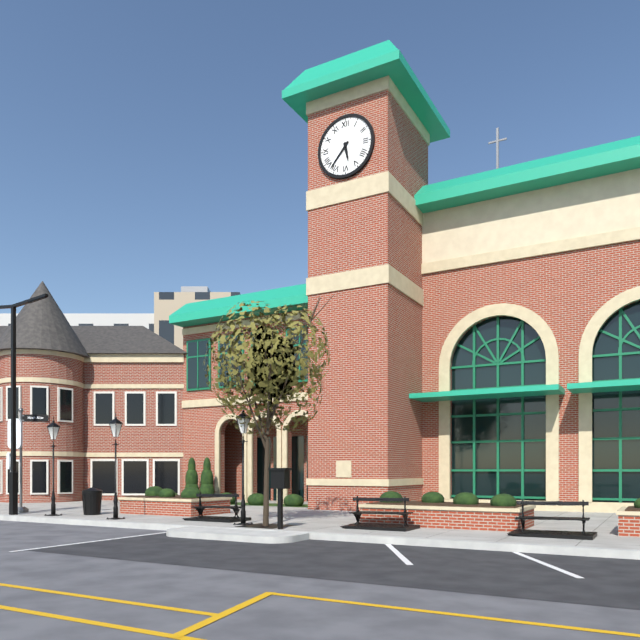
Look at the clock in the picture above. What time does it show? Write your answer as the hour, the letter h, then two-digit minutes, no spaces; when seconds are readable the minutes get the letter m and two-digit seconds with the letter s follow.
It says 5h37
